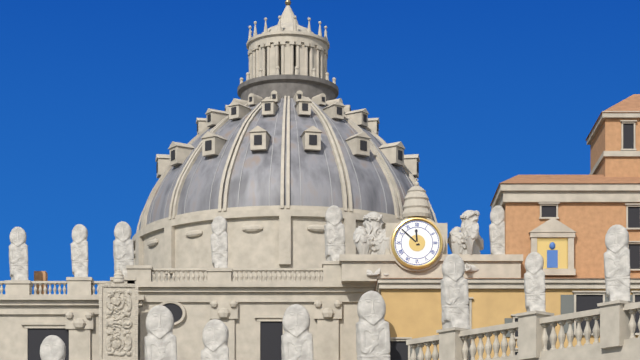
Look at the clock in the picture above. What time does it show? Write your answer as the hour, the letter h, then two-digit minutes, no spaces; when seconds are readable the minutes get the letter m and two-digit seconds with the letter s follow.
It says 11h52
